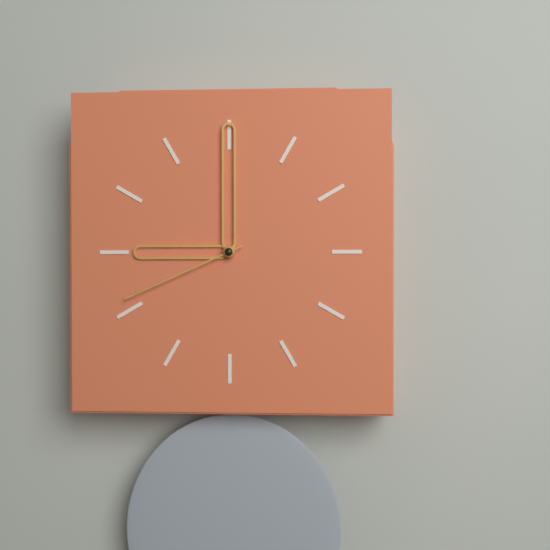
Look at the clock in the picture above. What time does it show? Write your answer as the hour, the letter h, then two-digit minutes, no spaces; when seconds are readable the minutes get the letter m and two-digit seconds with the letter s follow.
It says 9h00m41s
